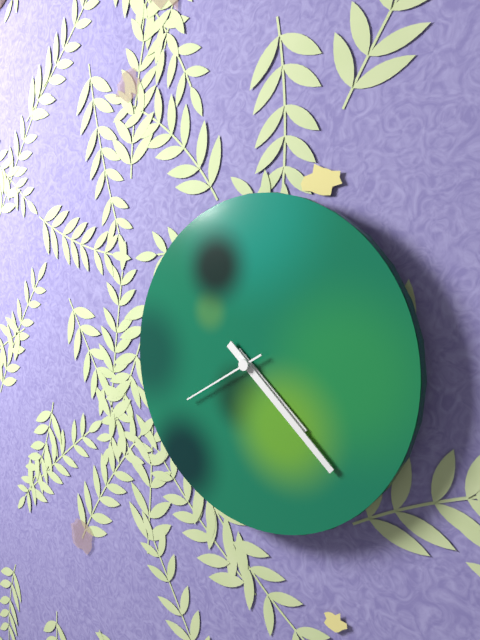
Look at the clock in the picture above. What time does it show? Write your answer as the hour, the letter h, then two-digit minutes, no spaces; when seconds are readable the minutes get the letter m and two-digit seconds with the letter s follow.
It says 4h22m40s
